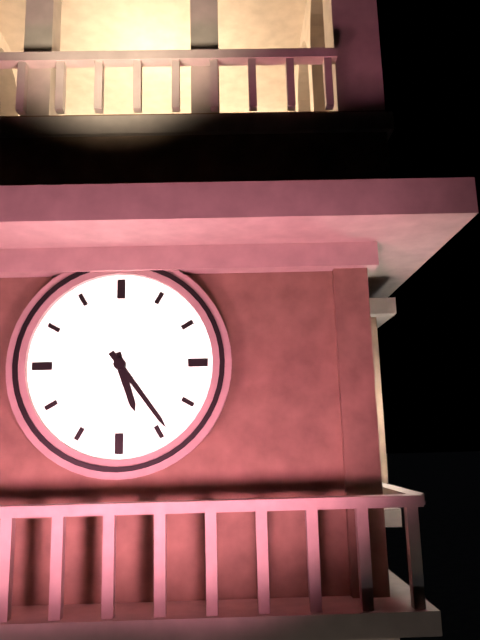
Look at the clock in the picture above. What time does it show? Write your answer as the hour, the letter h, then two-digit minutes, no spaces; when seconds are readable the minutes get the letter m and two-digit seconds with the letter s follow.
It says 5h24
